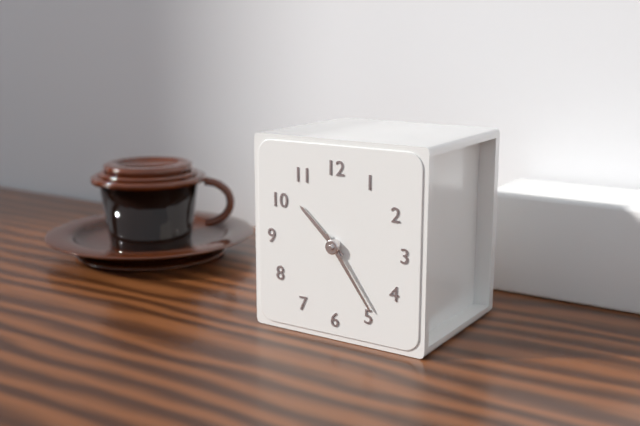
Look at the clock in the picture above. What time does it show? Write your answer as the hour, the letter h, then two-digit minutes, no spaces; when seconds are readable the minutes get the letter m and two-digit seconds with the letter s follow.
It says 10h24
